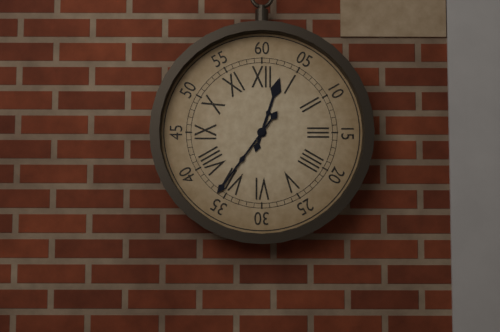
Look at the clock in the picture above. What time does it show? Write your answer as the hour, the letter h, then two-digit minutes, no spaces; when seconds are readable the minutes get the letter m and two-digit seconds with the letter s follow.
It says 12h36
